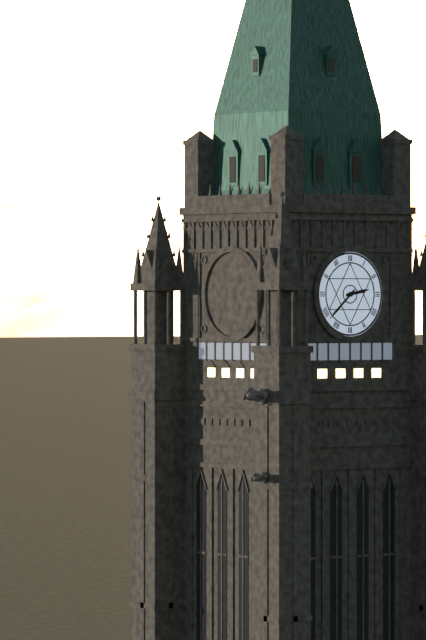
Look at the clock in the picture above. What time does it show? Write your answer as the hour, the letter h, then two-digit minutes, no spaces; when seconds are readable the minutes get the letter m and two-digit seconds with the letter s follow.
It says 2h38
